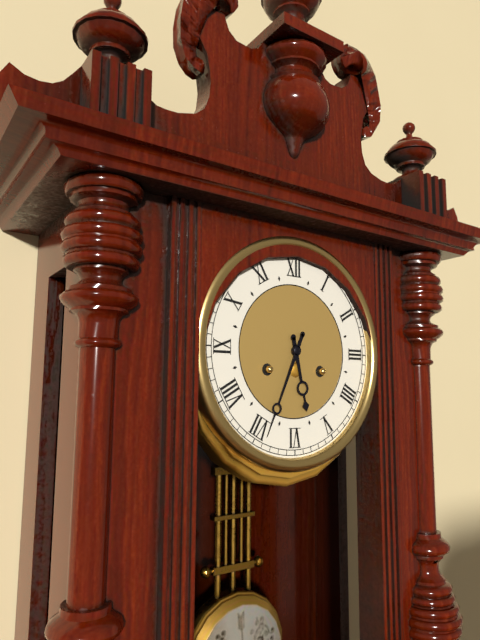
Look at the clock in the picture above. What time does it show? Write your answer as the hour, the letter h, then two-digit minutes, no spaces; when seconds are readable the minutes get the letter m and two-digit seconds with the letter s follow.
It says 5h34
